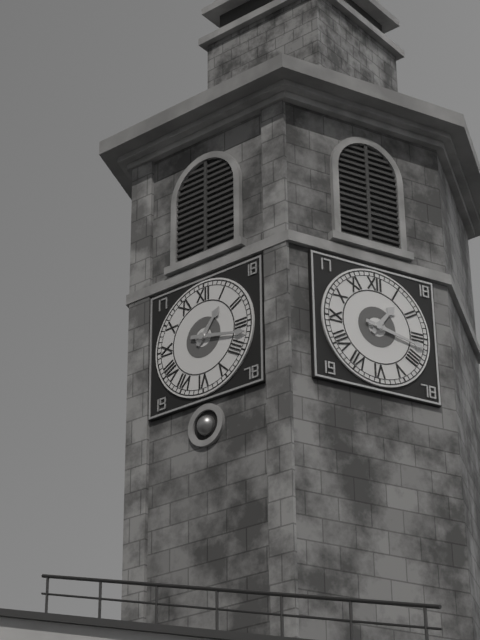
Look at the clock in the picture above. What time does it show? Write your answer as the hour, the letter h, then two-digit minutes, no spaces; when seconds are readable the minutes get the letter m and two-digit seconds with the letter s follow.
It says 1h17
